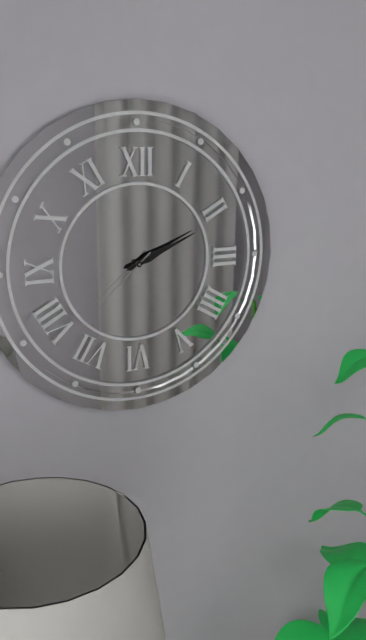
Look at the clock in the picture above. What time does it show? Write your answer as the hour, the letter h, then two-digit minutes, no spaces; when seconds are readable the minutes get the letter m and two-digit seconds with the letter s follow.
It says 2h11m38s
